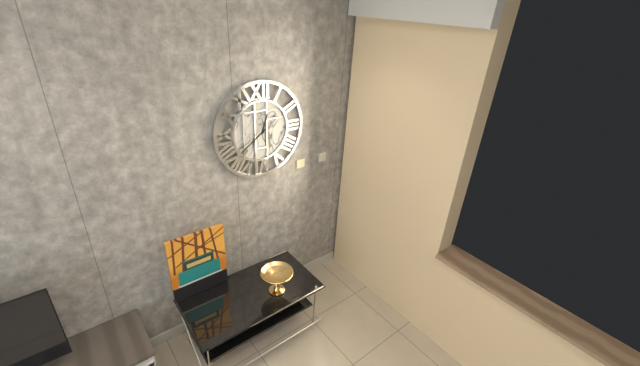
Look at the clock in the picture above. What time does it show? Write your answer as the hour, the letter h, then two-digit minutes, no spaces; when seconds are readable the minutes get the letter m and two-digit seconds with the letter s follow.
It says 12h39
